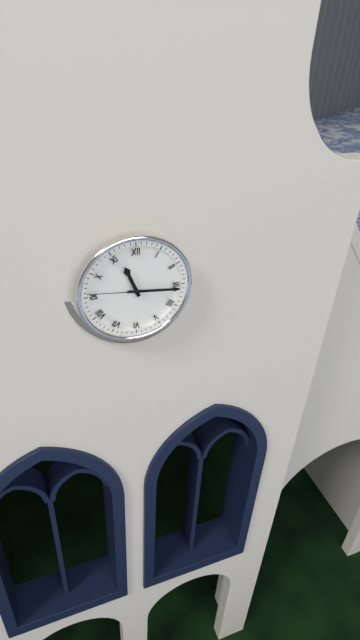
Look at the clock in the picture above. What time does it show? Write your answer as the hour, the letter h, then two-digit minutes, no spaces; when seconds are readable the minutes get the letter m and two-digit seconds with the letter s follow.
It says 11h16m46s
